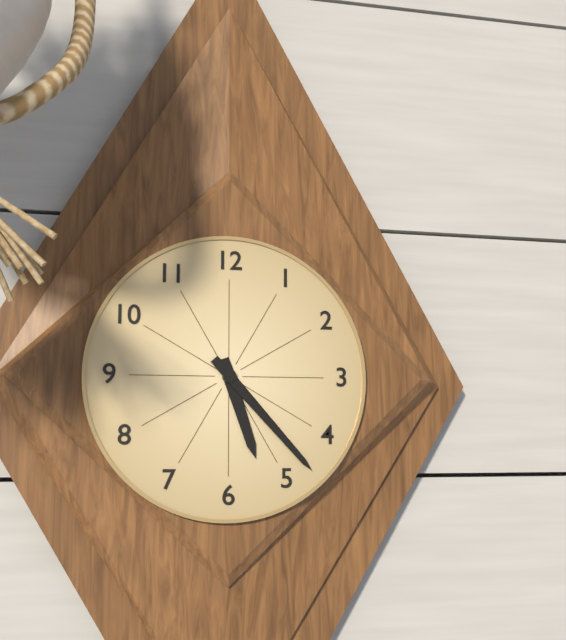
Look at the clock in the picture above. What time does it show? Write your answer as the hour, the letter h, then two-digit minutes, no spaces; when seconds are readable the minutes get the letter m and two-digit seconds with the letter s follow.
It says 5h23
